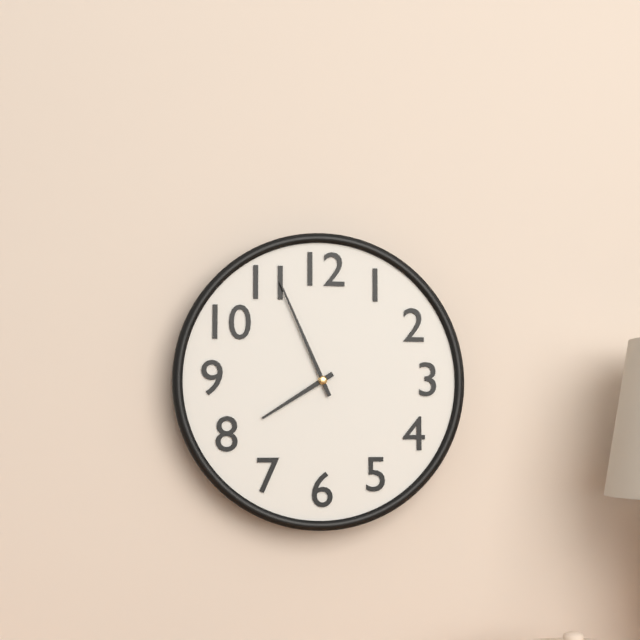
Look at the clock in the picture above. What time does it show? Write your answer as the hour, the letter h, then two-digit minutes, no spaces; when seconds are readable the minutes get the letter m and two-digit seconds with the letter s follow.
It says 7h56
